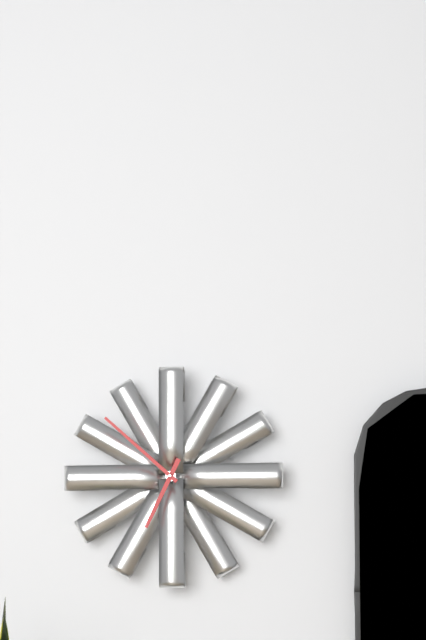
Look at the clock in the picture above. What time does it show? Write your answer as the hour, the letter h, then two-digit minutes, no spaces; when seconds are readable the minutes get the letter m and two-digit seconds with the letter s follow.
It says 6h52
